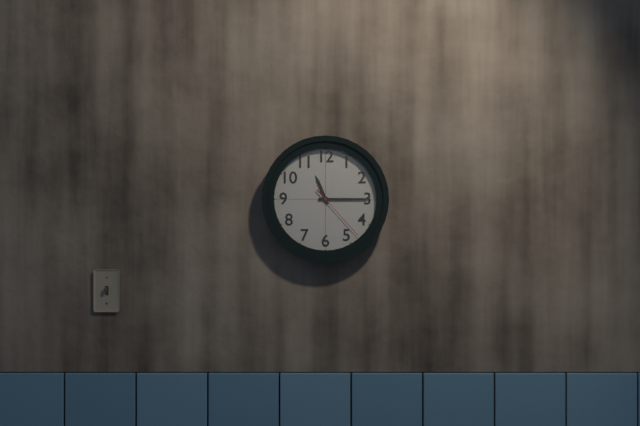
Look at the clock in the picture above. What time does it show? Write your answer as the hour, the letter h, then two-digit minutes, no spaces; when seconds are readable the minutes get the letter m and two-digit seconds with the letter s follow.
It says 11h15m23s
